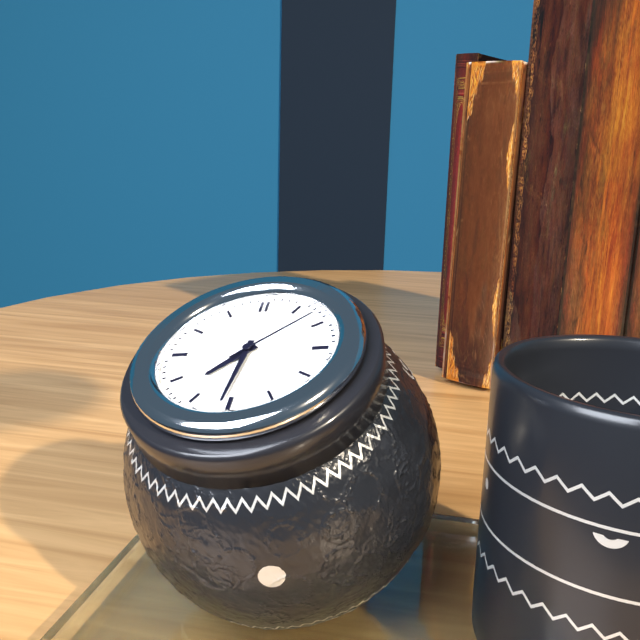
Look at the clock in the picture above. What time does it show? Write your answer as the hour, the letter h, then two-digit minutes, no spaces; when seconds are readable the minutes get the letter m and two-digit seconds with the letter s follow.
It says 7h31m08s
